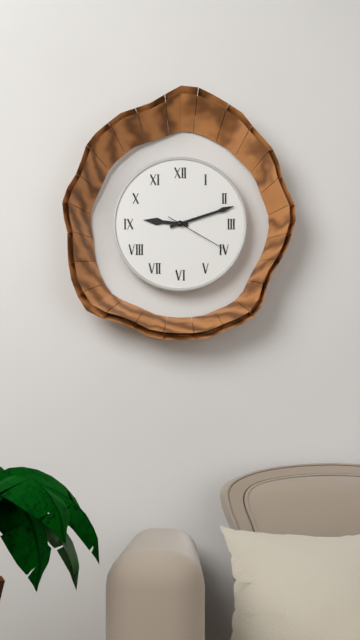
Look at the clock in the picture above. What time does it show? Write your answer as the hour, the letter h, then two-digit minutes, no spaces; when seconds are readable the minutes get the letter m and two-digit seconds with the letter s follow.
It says 9h12m20s
